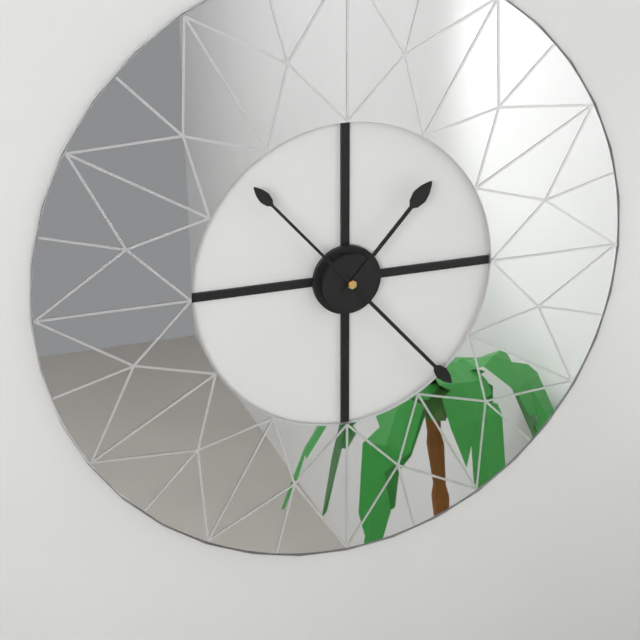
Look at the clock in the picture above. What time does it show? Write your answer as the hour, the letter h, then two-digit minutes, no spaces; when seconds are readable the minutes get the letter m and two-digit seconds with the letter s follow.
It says 1h23m53s
